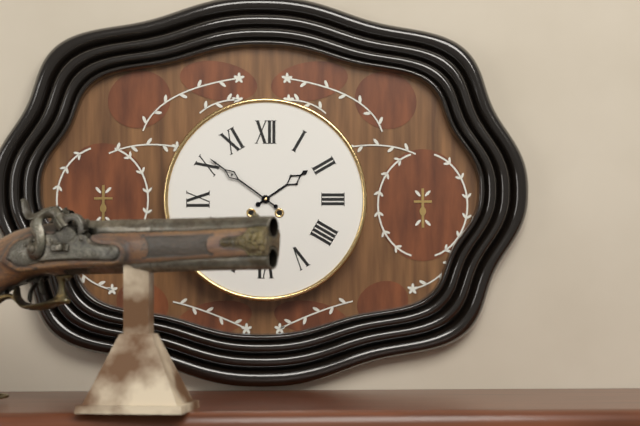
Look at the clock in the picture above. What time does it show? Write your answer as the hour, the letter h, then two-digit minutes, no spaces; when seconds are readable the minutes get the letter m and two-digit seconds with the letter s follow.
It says 1h51
